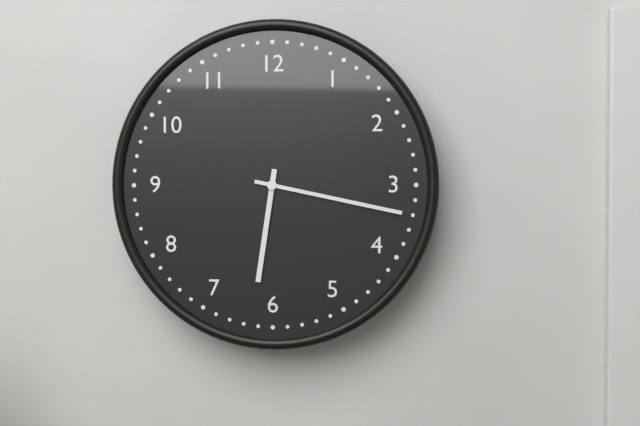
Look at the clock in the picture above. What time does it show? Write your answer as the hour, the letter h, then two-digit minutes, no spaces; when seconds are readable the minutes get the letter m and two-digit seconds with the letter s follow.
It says 6h17
